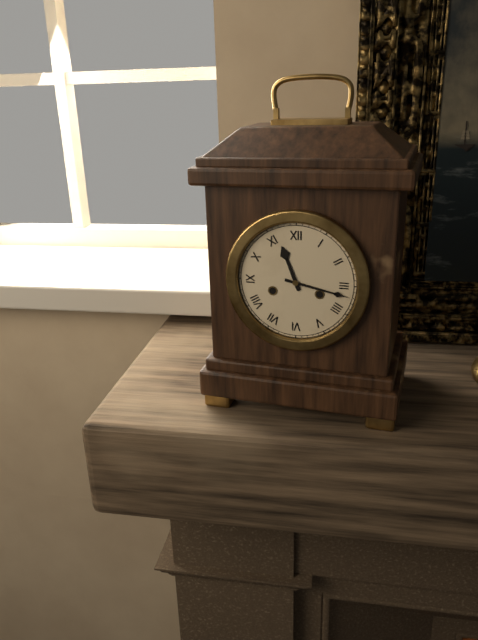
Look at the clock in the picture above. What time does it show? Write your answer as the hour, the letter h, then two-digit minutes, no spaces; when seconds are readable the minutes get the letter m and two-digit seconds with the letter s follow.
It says 11h17
